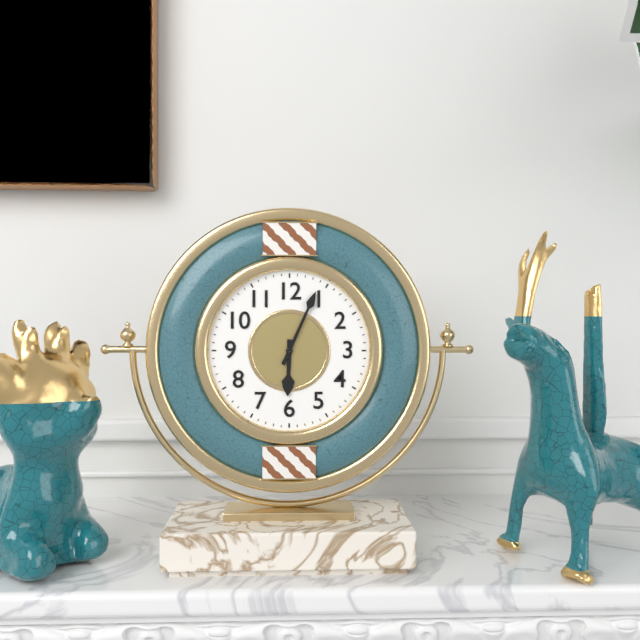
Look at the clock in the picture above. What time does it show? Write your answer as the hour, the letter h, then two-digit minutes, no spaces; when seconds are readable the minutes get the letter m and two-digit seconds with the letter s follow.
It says 6h04
